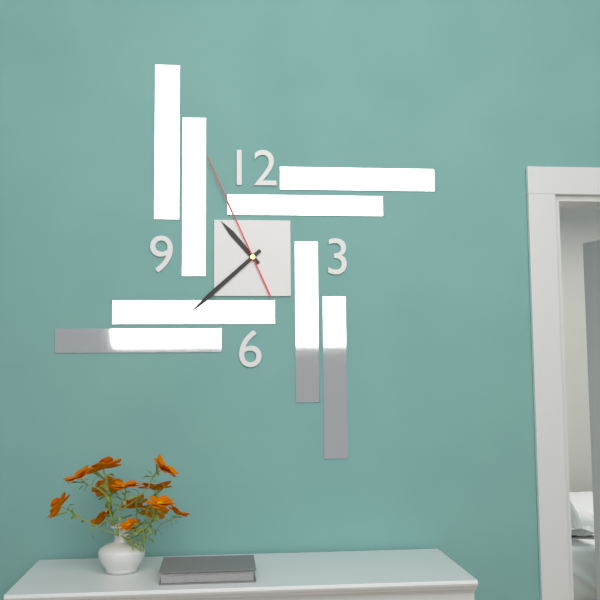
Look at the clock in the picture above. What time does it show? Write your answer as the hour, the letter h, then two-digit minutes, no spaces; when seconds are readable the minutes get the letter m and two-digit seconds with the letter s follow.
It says 10h38m56s
